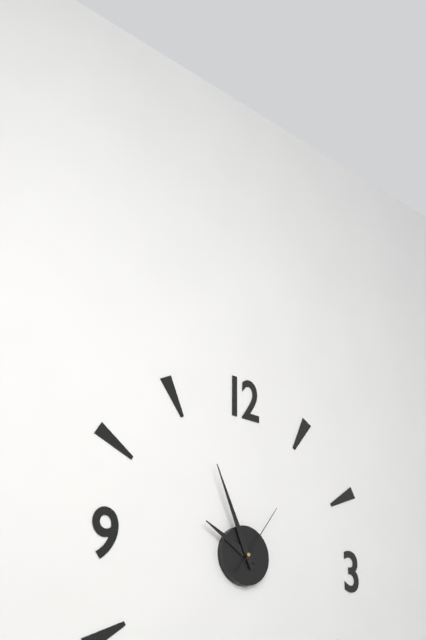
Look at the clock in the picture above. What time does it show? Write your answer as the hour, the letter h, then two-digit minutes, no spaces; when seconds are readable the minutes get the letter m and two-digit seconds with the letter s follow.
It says 9h56m06s
